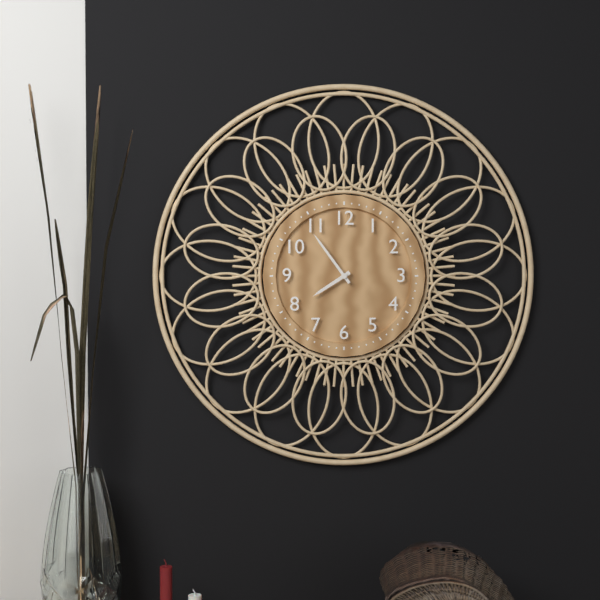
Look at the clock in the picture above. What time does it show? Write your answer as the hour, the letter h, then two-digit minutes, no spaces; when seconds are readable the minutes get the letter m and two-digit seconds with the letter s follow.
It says 7h54
